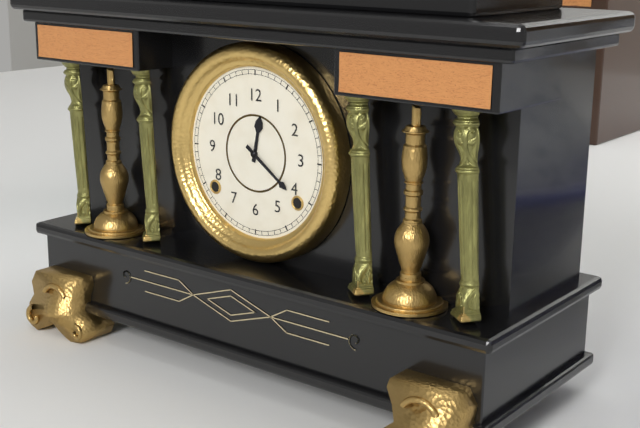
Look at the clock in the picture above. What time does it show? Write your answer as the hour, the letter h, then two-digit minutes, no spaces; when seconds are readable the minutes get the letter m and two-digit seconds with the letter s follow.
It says 12h21
